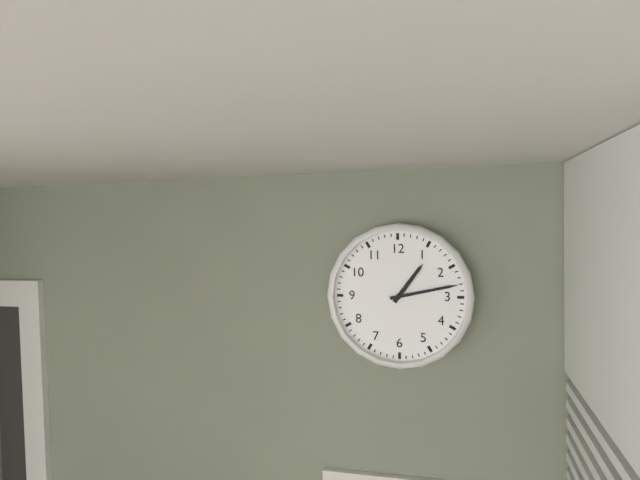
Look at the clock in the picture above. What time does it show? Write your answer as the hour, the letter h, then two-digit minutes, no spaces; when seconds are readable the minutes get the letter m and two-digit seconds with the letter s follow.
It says 1h13
